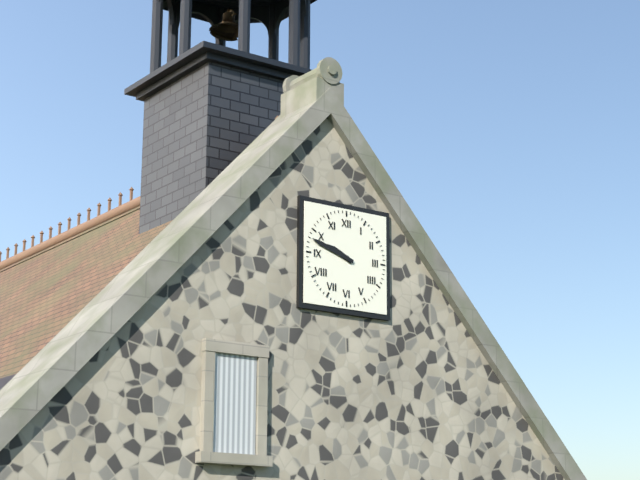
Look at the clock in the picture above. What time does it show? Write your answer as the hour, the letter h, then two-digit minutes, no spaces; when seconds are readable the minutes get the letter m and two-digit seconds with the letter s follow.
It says 9h48
